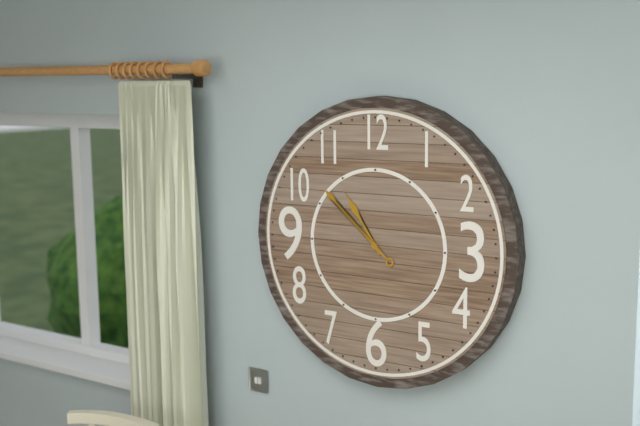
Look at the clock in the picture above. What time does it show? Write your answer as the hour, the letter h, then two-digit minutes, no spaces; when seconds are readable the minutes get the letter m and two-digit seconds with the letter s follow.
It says 10h52
